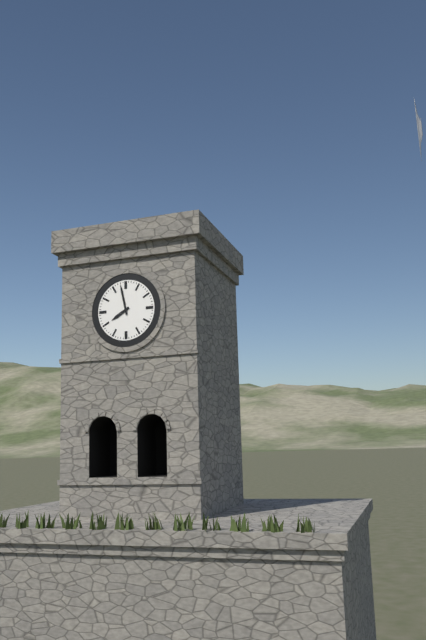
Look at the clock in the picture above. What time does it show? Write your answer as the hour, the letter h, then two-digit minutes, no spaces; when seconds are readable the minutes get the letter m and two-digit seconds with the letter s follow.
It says 7h58
